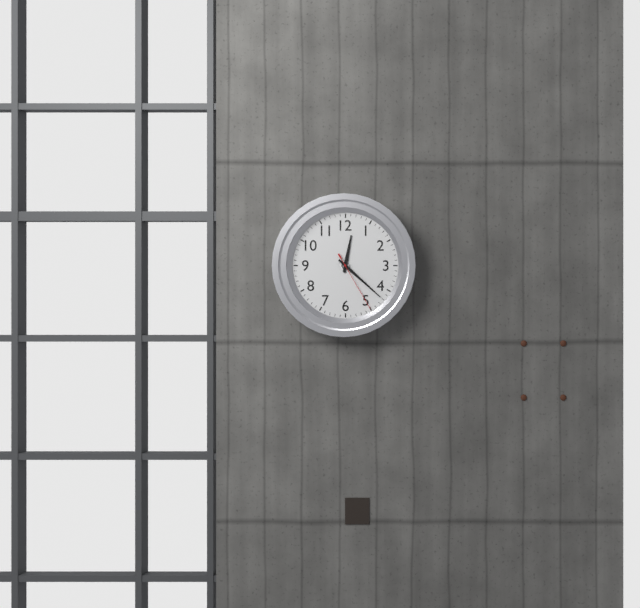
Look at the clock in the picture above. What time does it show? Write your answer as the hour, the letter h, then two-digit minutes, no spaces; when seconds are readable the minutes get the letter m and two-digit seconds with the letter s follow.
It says 12h22m25s
